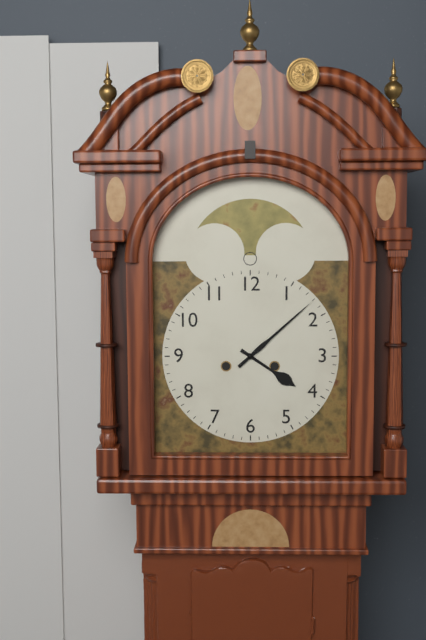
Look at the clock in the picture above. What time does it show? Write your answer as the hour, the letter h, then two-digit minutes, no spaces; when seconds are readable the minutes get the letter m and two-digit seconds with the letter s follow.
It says 4h08
